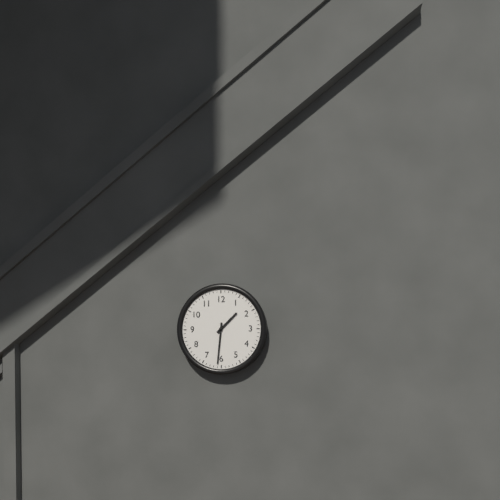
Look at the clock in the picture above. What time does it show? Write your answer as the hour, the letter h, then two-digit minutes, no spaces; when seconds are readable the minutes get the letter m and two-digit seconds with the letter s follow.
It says 1h31
